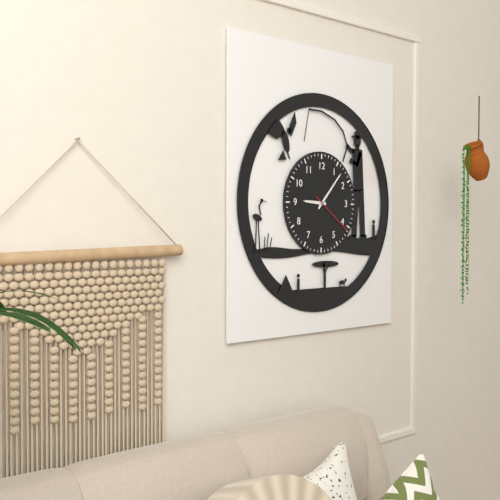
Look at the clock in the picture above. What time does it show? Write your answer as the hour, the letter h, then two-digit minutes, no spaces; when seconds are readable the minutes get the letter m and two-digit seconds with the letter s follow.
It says 9h07
